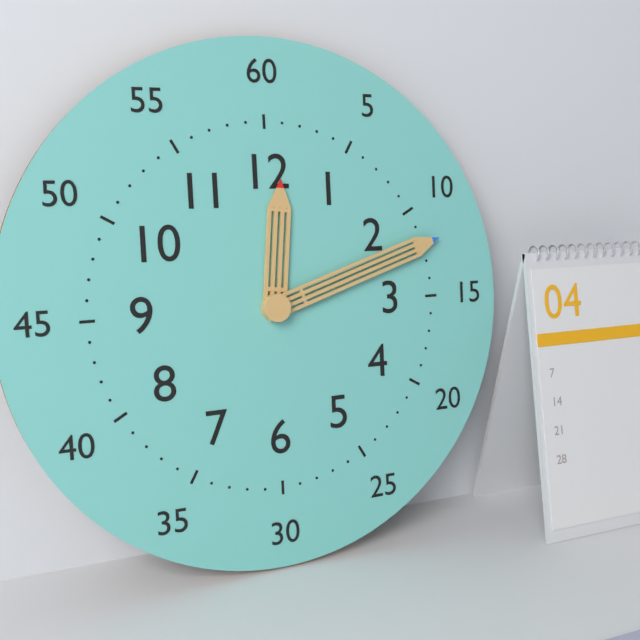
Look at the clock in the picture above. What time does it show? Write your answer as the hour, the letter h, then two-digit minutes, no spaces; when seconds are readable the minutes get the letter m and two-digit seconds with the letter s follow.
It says 12h12
